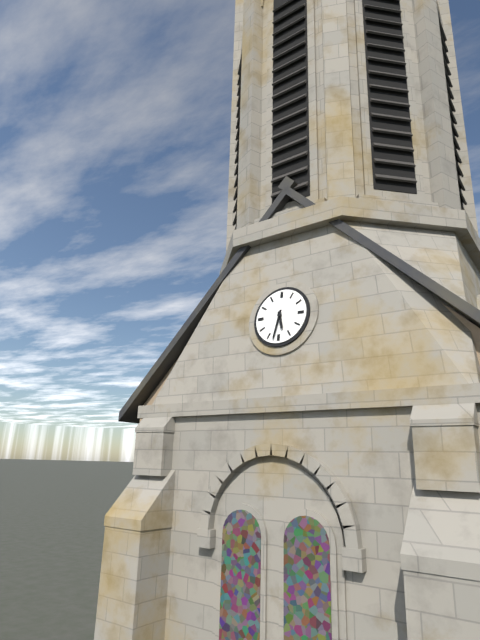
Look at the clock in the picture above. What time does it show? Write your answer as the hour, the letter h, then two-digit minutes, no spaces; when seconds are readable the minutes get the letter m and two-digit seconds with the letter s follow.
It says 5h32
